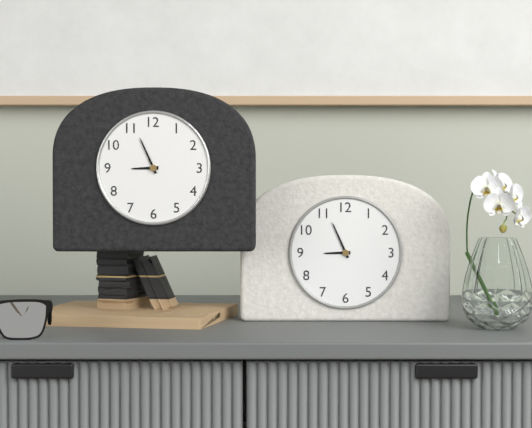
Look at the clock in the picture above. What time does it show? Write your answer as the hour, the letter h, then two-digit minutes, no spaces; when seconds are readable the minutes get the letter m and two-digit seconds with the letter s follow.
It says 8h56
